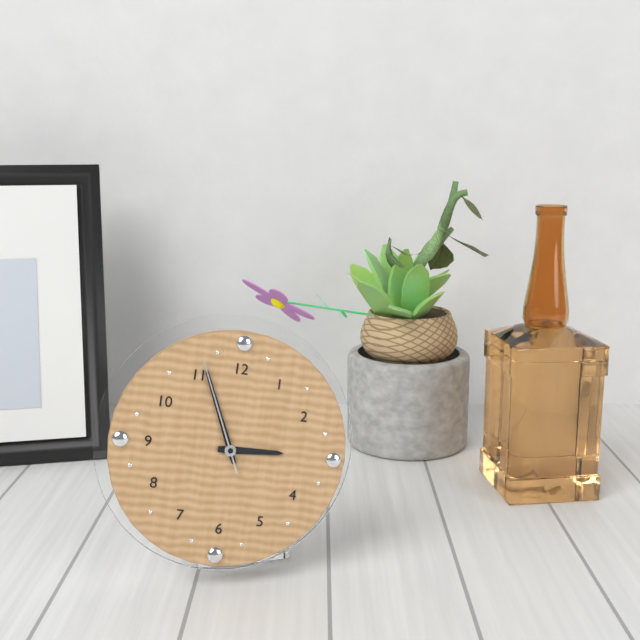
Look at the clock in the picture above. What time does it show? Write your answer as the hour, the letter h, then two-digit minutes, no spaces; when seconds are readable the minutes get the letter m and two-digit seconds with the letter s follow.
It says 2h56m56s
